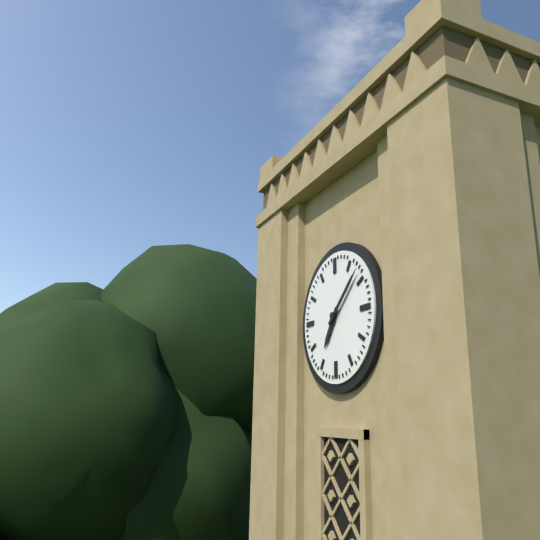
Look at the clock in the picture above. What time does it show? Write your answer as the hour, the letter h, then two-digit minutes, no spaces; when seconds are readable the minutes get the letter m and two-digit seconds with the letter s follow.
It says 7h08
